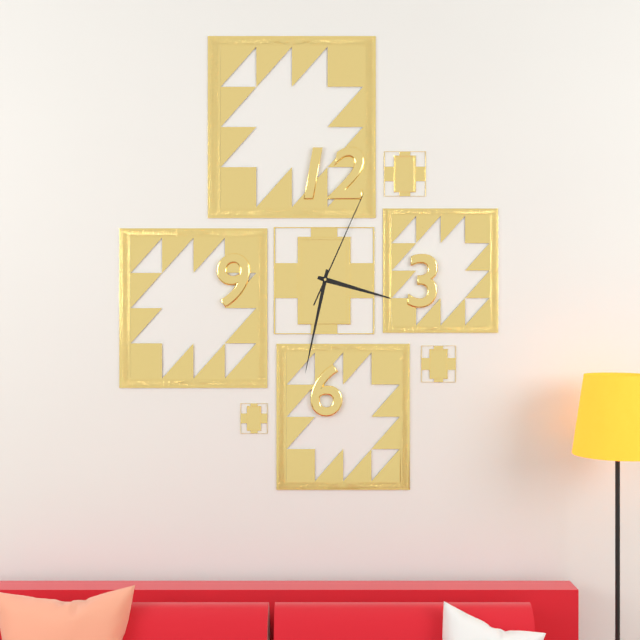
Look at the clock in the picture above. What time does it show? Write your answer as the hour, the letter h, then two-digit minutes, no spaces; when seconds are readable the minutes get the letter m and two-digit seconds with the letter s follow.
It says 3h32m04s
